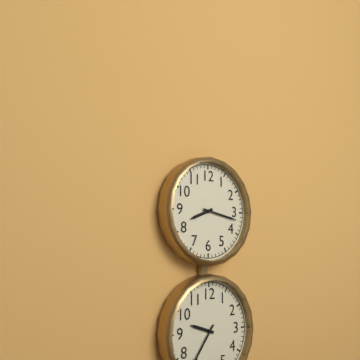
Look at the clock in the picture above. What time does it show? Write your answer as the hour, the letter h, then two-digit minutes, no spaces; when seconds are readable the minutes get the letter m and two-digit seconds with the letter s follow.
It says 8h17
